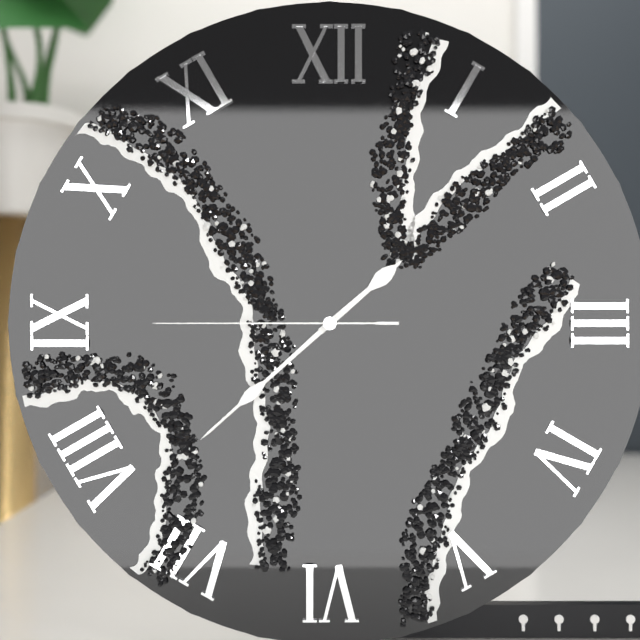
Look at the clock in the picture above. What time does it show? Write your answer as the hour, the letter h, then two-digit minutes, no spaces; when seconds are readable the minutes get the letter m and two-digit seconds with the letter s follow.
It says 1h38m45s
